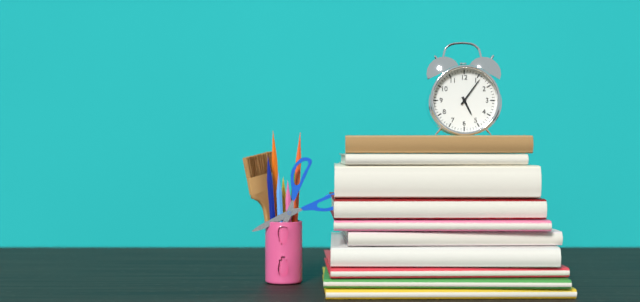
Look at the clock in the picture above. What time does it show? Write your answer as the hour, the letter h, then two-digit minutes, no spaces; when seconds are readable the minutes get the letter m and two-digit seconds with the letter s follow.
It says 5h06
